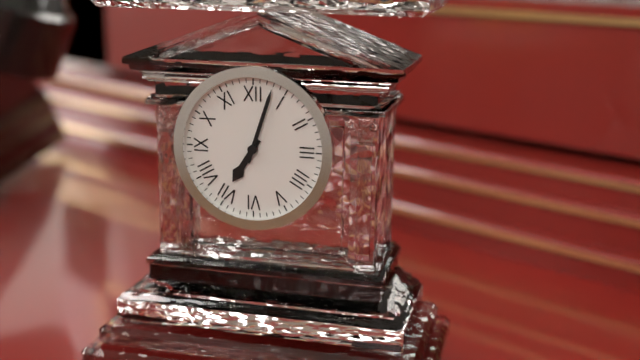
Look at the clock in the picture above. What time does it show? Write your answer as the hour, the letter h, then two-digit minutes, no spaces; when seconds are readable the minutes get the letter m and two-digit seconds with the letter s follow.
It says 7h03
